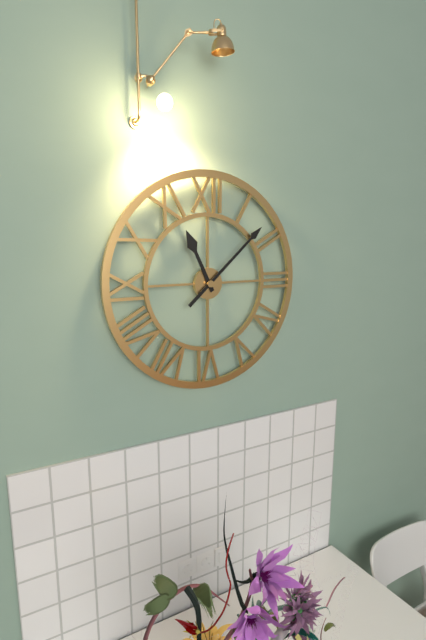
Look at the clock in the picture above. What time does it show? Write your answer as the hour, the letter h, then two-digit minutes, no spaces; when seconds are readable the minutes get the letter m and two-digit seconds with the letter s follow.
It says 11h08
